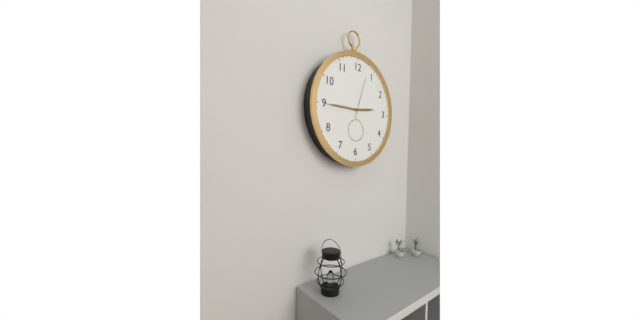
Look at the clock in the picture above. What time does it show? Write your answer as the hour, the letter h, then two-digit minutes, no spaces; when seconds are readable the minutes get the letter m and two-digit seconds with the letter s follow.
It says 2h45
